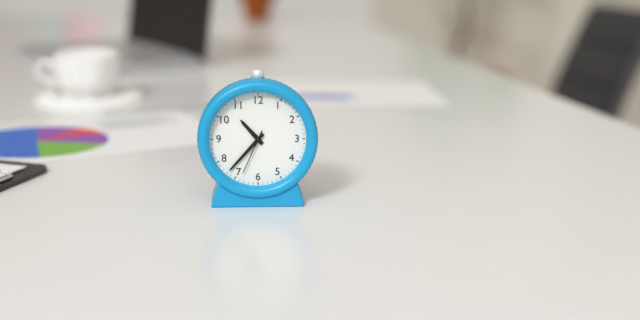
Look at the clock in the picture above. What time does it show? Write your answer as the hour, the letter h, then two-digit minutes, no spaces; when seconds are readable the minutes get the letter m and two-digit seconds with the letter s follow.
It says 10h37
